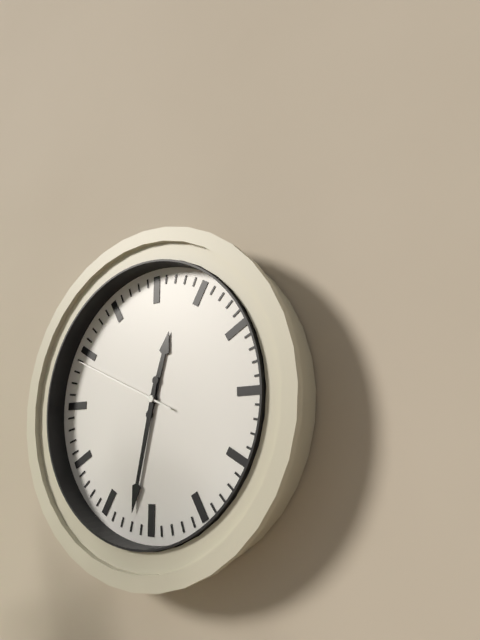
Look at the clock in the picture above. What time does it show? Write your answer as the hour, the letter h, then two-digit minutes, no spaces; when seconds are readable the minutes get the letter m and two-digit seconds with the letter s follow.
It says 12h32m49s
